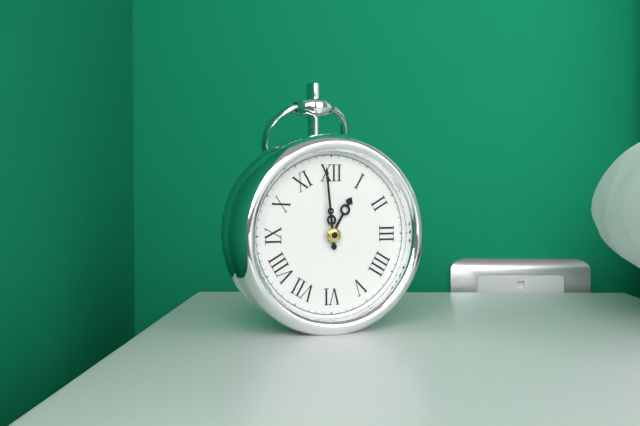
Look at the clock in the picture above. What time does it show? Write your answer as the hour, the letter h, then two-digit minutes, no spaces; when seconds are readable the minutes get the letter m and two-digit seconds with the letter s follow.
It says 12h59
